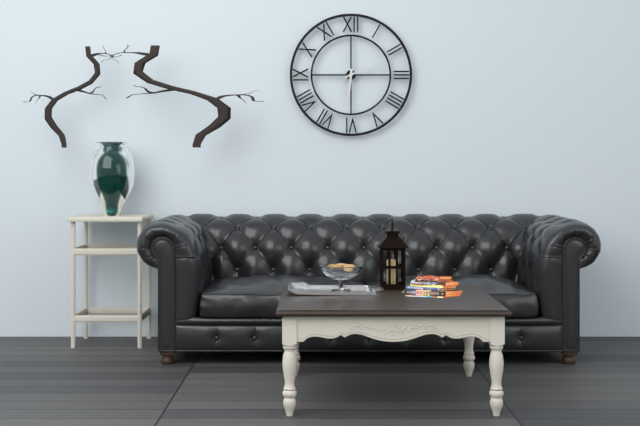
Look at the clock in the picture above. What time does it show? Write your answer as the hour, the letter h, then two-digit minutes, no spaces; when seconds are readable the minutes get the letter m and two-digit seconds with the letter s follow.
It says 6h11
